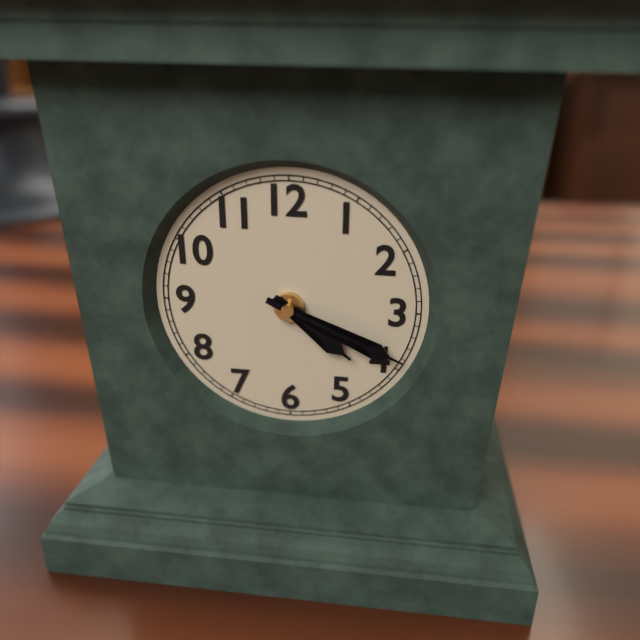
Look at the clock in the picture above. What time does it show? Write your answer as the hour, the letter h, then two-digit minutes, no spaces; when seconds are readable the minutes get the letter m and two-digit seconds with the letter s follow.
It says 4h19
